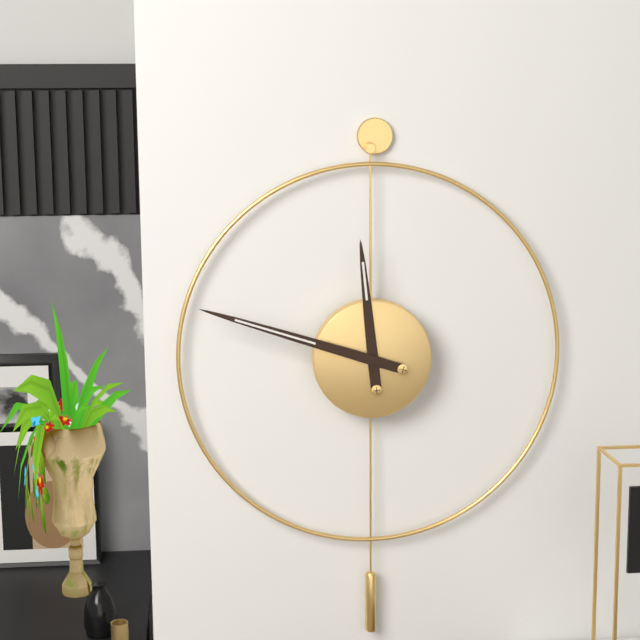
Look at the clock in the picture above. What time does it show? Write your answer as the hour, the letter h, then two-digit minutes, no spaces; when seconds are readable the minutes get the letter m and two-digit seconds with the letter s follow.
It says 11h48
